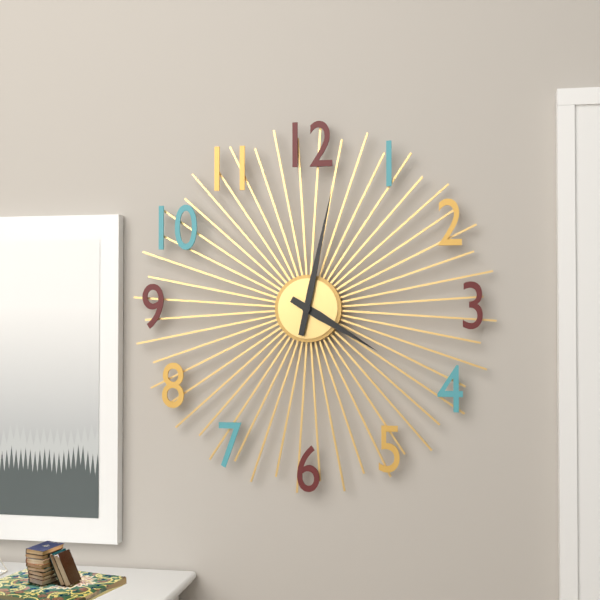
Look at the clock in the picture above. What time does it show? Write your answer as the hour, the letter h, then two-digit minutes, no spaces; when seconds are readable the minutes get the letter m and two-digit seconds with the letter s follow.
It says 4h02
